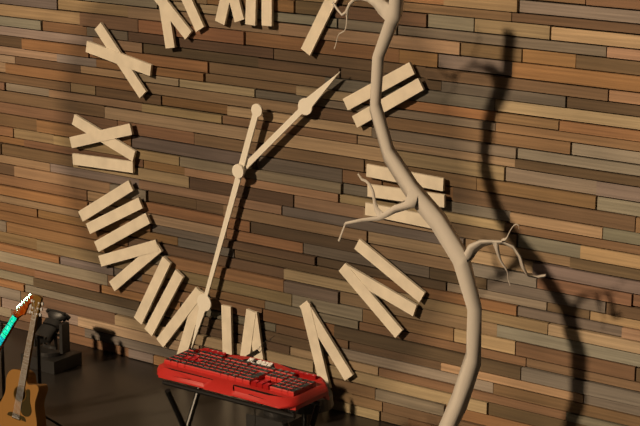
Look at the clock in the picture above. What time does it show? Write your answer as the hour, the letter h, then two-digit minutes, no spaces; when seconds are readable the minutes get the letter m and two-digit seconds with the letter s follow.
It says 1h33
